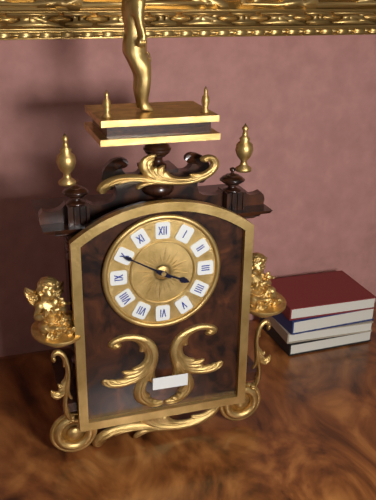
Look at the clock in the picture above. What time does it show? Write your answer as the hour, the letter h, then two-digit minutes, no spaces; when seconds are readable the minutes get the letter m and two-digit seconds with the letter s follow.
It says 3h50
